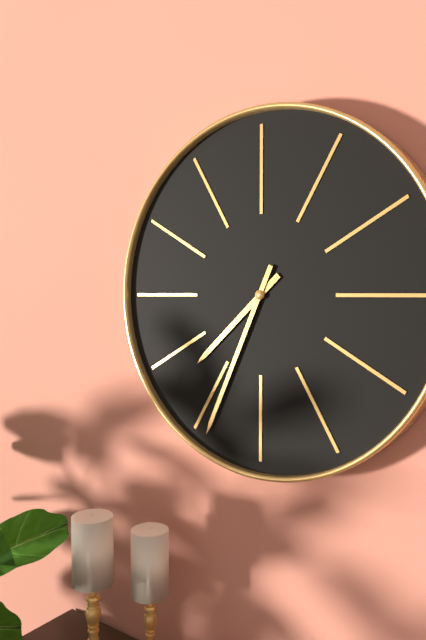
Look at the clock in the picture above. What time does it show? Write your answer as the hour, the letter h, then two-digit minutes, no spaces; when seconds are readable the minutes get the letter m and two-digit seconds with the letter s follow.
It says 7h34
